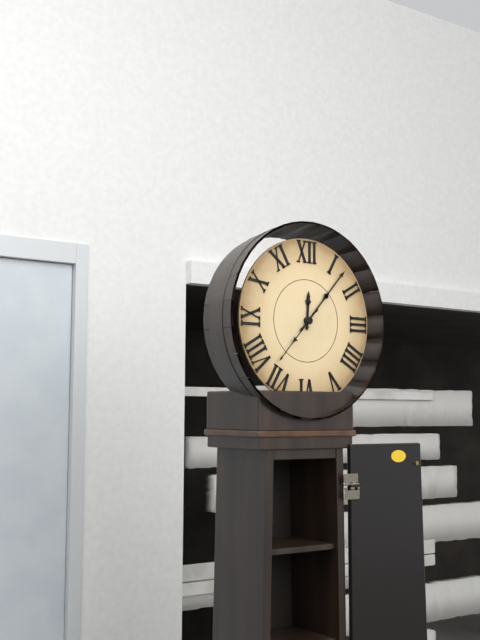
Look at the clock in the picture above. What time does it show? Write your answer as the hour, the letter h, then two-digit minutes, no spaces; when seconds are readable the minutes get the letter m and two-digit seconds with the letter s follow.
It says 12h07m37s
